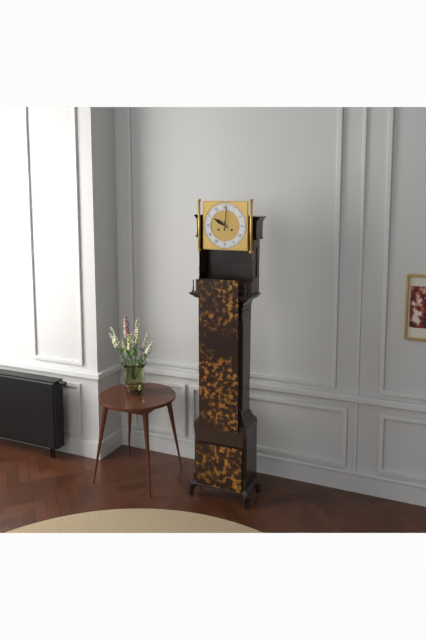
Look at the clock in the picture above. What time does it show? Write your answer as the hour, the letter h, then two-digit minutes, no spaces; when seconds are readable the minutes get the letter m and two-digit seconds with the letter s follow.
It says 10h01
